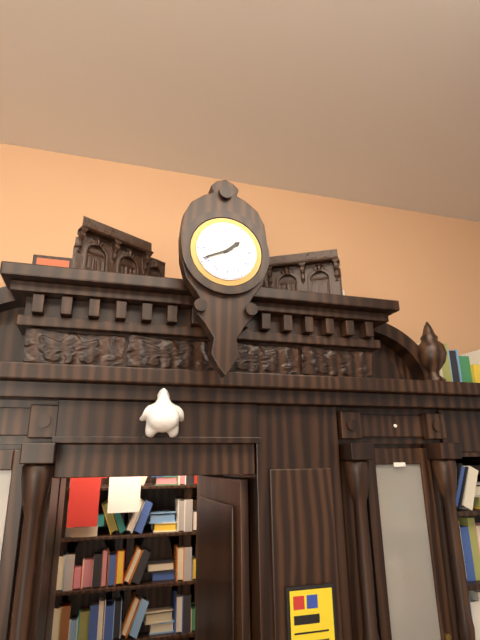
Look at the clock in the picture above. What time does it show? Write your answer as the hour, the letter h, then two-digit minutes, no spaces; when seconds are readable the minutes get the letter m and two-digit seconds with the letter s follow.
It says 1h41
